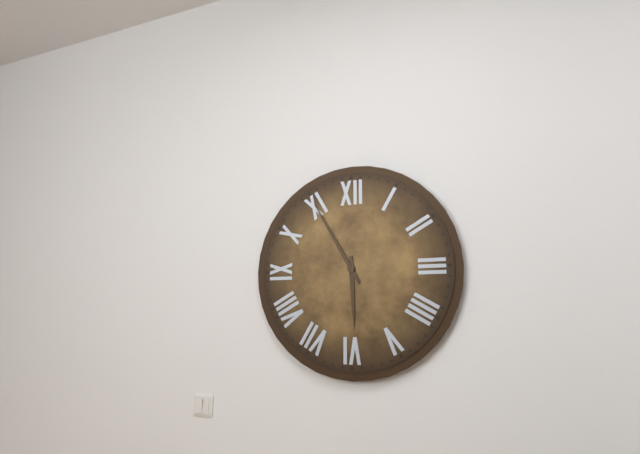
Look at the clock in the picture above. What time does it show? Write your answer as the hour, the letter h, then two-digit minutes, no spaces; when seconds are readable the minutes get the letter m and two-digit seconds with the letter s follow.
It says 5h55
